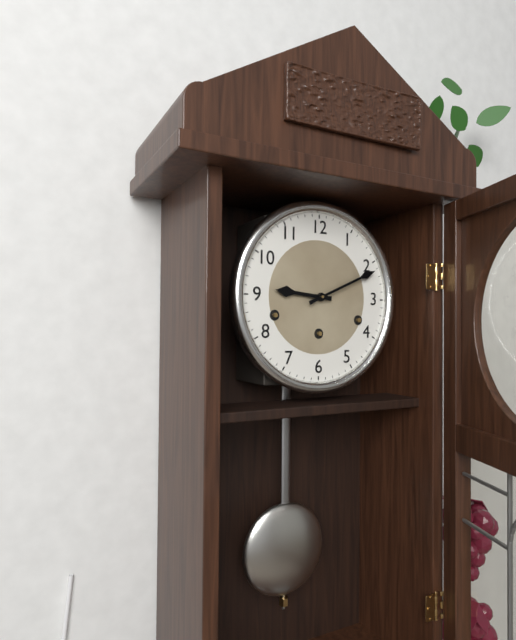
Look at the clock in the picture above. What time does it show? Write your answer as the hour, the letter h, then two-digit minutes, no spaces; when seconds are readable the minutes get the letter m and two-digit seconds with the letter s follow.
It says 9h11
